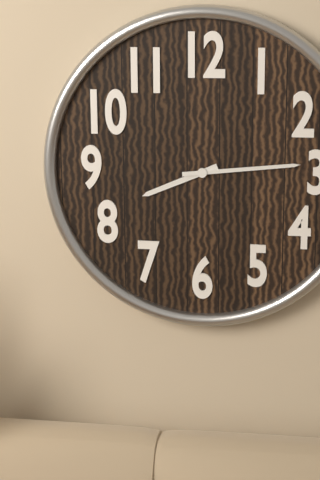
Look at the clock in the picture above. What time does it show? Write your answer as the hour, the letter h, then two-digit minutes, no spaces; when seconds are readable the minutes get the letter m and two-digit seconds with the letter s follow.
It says 8h14
